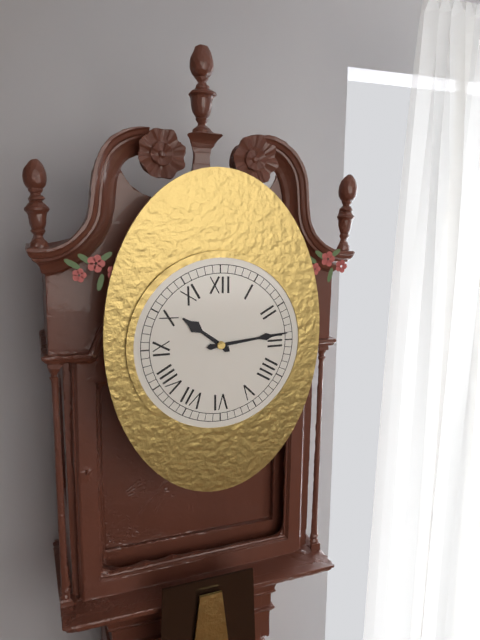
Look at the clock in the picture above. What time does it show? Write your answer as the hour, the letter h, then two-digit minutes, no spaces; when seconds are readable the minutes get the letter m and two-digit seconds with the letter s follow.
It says 10h14
